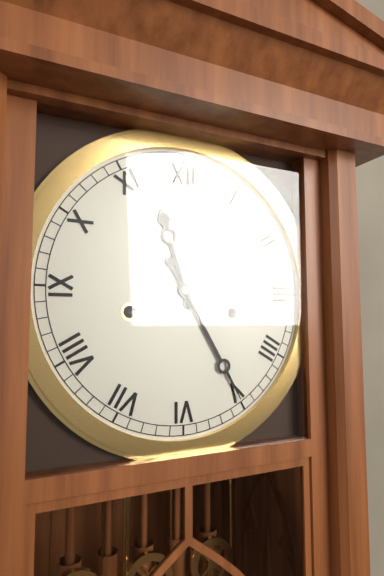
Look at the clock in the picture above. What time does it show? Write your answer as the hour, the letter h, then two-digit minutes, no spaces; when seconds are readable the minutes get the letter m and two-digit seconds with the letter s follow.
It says 11h25
